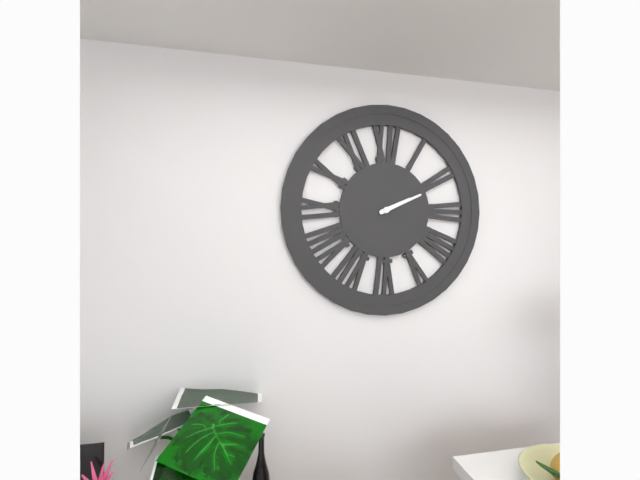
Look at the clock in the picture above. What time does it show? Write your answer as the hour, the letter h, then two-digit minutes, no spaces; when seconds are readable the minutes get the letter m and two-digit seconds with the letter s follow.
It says 2h11
